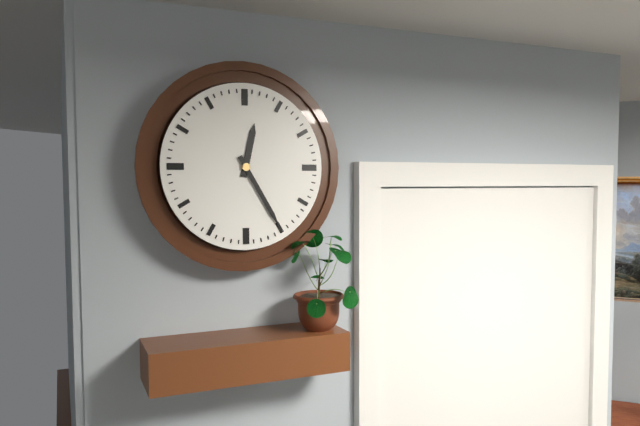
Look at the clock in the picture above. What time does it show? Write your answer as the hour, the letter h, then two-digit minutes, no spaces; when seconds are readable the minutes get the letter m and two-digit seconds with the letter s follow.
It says 12h25
